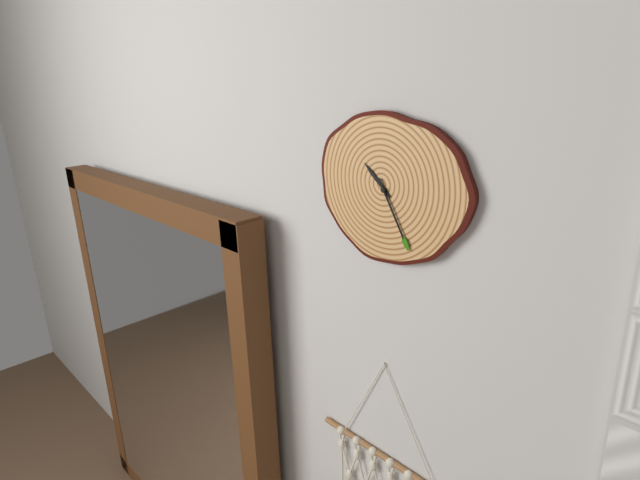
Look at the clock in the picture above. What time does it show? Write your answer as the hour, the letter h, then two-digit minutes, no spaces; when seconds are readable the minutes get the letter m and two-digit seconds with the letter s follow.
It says 10h25
